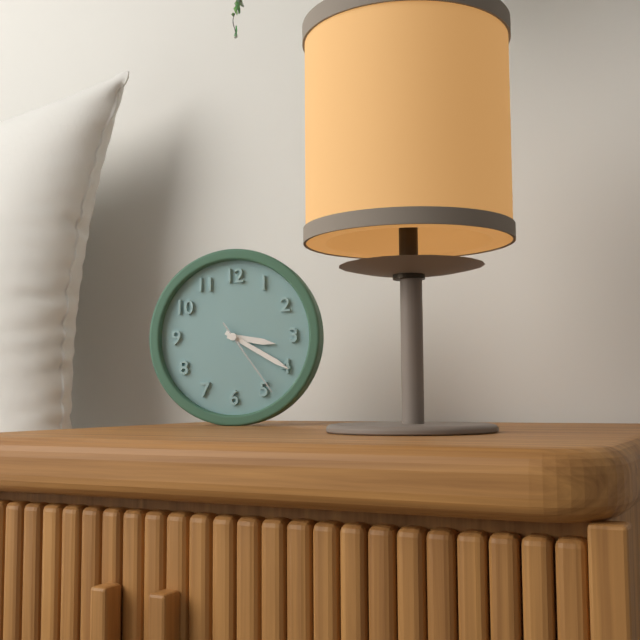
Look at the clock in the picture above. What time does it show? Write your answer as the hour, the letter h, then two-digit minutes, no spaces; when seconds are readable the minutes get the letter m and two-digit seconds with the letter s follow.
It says 3h20m24s
